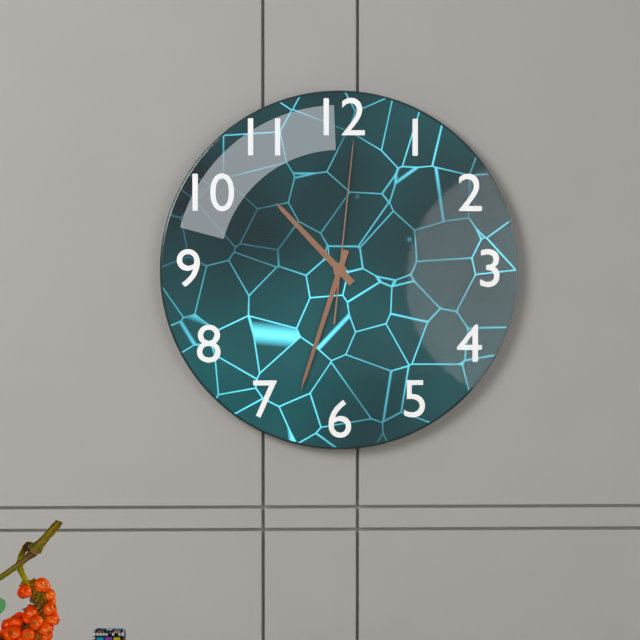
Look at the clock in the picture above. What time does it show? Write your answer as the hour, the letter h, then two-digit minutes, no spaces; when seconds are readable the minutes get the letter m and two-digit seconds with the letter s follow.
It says 10h33m01s
